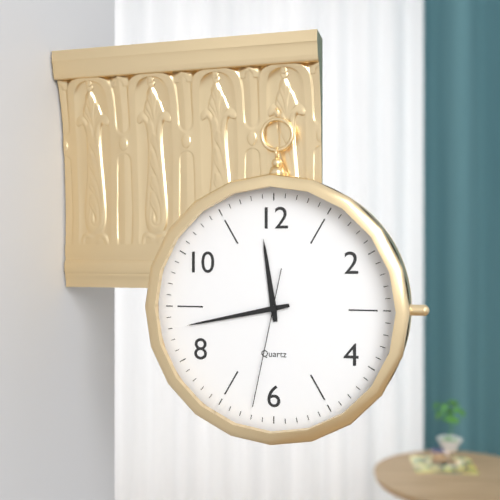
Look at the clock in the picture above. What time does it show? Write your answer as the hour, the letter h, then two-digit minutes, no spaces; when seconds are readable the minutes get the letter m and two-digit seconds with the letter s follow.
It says 11h43m32s
